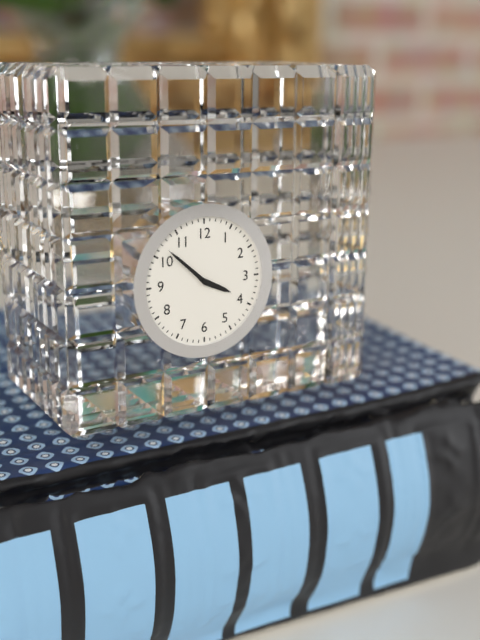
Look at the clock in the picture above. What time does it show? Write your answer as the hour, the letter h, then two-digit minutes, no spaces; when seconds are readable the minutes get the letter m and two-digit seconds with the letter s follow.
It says 3h52
